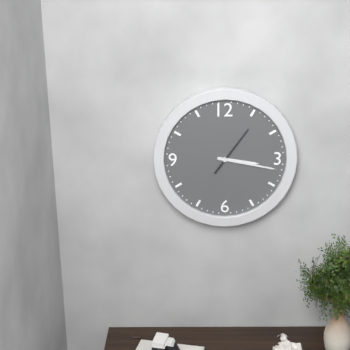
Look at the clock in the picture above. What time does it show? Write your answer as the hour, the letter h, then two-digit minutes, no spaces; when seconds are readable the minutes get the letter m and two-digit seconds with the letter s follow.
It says 3h17
